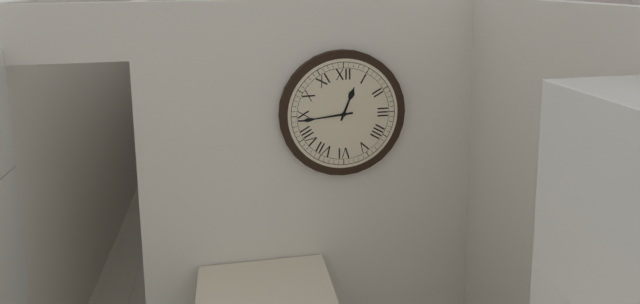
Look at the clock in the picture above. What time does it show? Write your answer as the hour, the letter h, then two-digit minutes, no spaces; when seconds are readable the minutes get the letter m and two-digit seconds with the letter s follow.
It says 12h44
